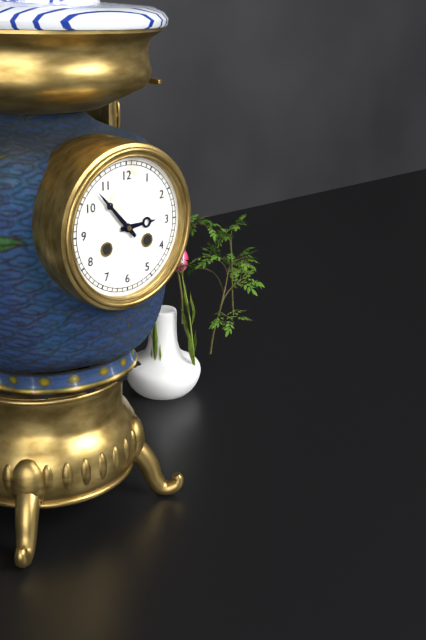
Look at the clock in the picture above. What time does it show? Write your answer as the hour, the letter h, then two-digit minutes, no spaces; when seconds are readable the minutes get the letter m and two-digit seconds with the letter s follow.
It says 2h53
